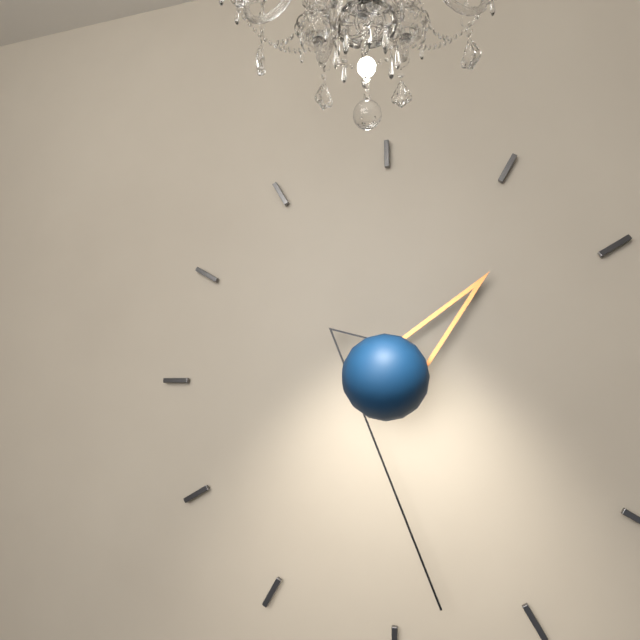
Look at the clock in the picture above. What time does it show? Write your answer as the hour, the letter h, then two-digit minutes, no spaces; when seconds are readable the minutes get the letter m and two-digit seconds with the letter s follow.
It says 1h28
